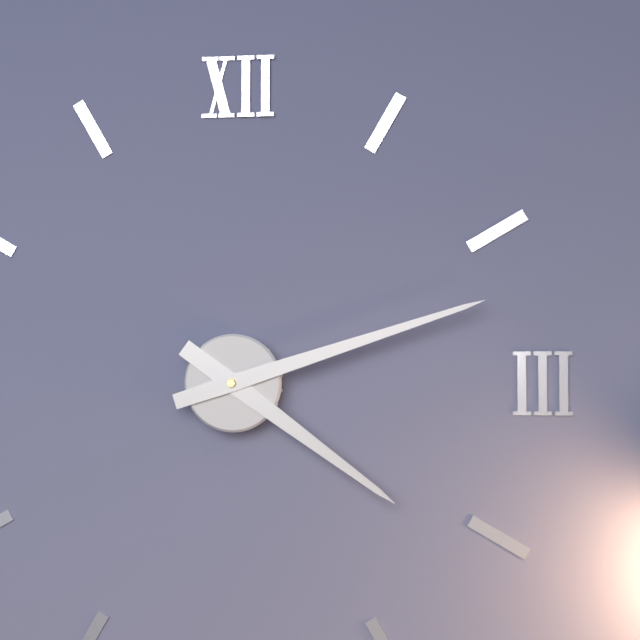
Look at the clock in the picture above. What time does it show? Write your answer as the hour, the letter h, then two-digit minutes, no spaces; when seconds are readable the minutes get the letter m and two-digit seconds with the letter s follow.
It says 4h12
